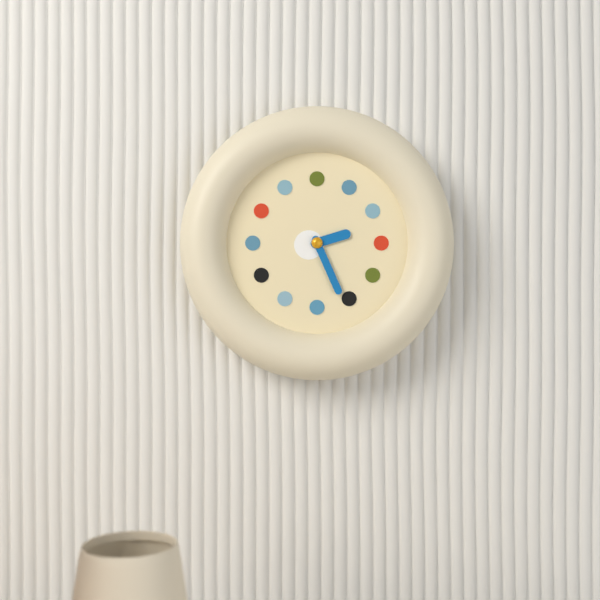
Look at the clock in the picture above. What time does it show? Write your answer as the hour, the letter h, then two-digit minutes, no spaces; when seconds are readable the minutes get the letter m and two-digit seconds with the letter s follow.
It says 2h26
